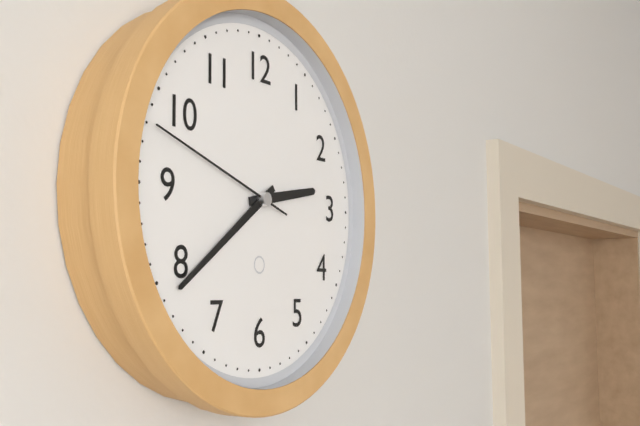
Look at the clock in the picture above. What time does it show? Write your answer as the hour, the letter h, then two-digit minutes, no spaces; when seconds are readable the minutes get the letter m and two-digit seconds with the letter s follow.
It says 2h39m48s
